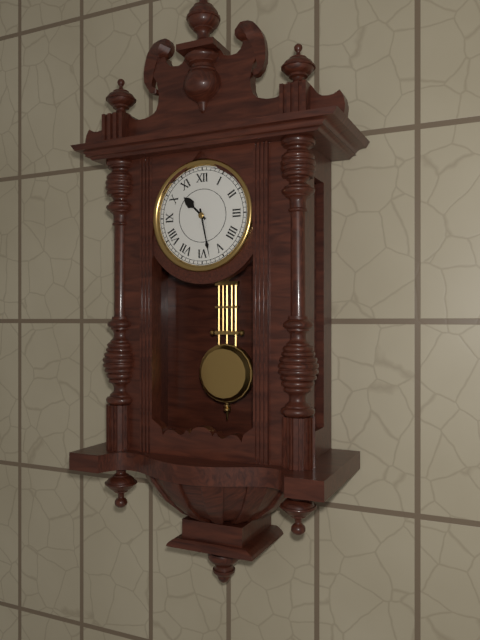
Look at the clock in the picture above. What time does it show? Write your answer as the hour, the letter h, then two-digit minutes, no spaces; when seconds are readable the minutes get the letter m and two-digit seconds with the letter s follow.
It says 10h28
